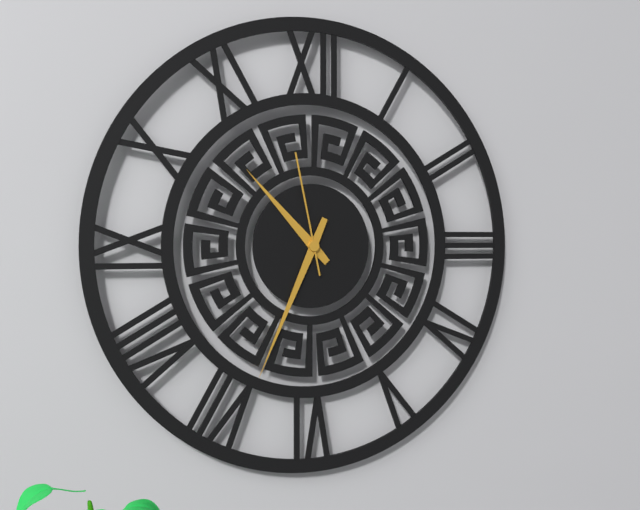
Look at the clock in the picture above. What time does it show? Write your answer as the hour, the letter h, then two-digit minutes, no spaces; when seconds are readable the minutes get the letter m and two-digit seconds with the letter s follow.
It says 10h34m58s
